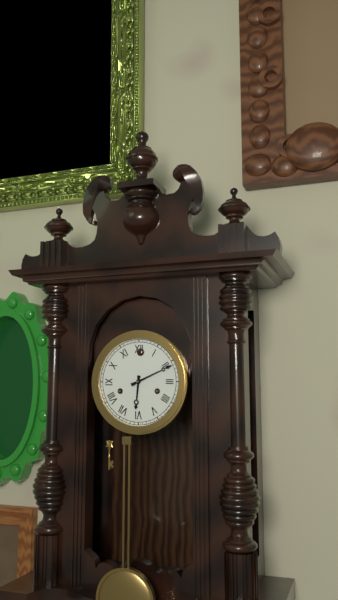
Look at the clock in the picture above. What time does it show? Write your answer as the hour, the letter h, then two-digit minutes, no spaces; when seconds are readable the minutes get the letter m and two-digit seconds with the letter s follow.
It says 6h11
